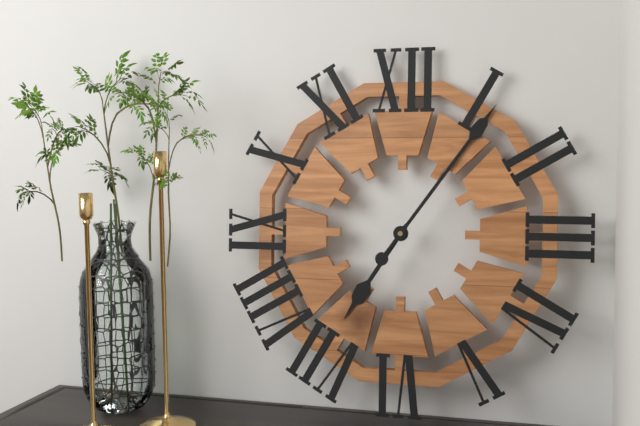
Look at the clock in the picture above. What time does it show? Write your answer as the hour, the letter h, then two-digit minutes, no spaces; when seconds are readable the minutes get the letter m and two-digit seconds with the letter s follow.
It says 7h06
